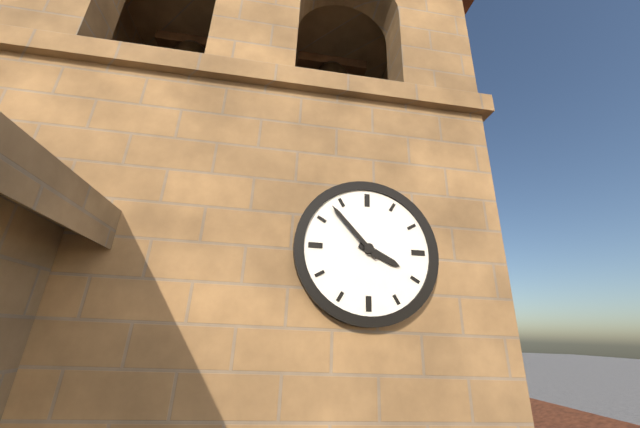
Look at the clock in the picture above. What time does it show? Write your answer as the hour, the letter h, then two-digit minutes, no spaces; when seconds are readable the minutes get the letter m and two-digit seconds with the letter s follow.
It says 3h53
